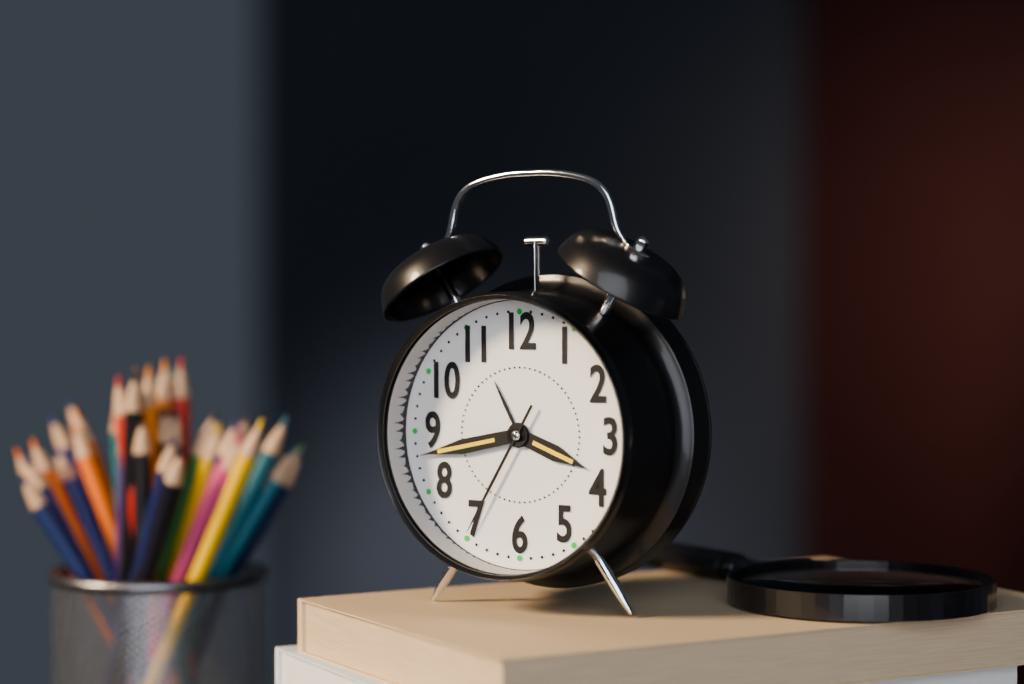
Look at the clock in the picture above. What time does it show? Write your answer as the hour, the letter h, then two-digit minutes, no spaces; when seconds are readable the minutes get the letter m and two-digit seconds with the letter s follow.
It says 3h43m35s
